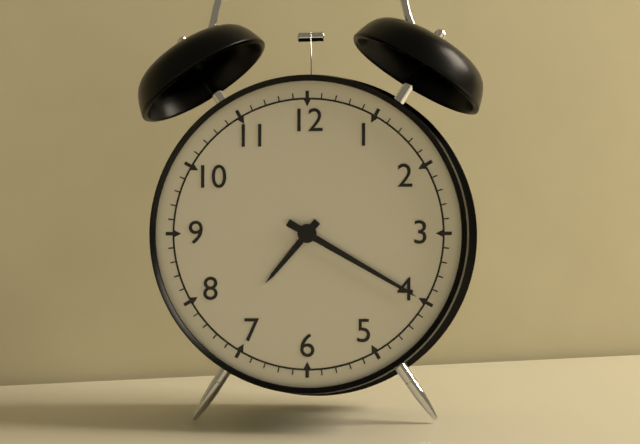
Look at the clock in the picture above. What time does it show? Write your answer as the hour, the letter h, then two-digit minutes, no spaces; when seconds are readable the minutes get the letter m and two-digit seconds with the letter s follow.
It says 7h20
